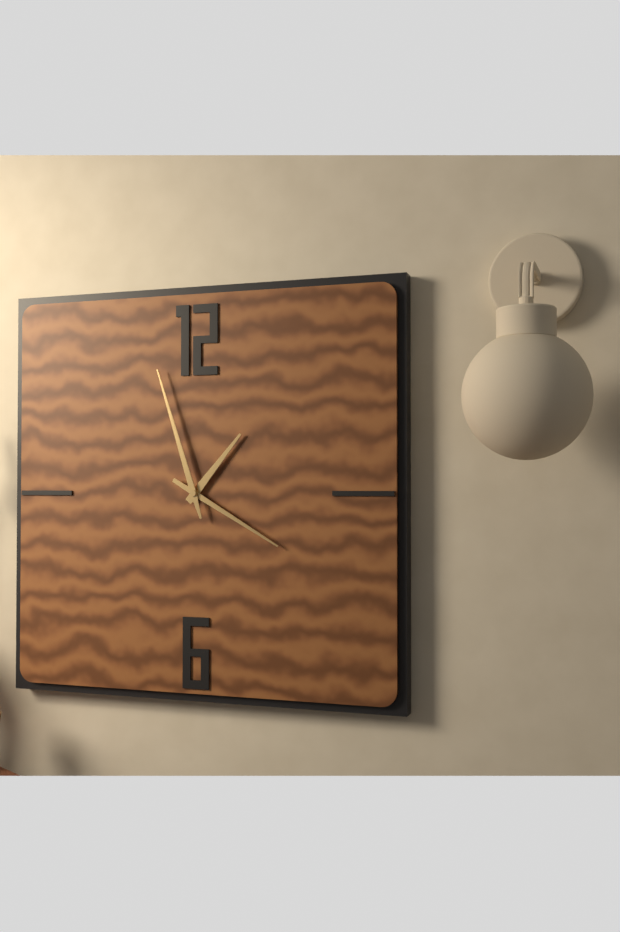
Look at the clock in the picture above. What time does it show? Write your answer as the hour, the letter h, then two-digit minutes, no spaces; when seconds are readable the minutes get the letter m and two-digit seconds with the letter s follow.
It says 1h20m57s
